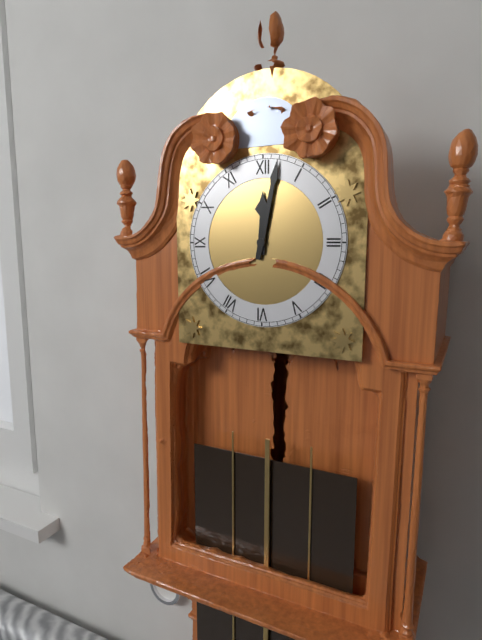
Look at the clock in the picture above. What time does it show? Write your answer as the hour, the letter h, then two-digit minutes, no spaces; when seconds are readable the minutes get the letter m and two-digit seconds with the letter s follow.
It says 12h02
